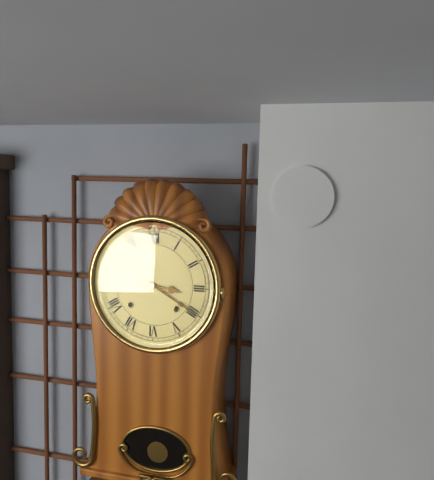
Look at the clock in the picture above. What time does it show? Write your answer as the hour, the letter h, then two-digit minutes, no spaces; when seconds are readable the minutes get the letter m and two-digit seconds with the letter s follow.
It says 3h20
